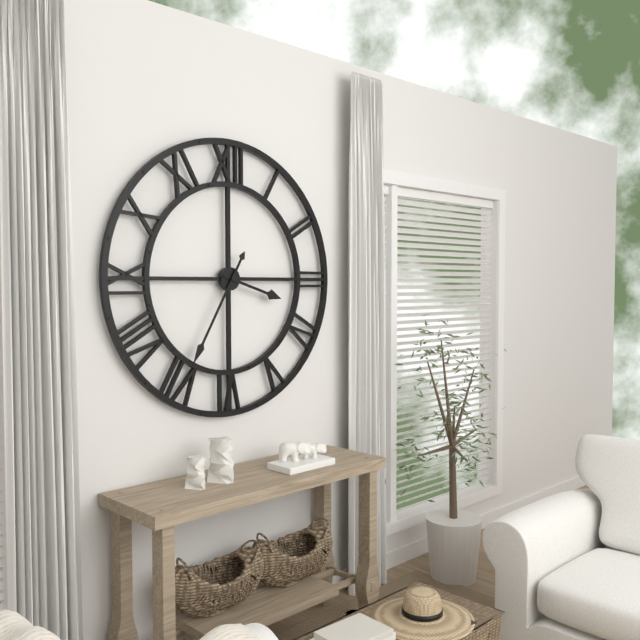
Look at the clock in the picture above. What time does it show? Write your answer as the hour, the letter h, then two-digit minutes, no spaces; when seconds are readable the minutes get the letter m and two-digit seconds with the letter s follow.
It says 3h35
